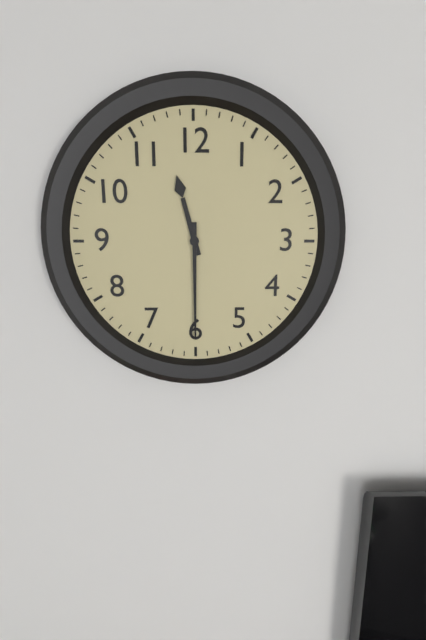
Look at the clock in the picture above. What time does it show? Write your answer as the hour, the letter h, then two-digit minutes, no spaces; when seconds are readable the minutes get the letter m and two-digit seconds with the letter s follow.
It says 11h30
